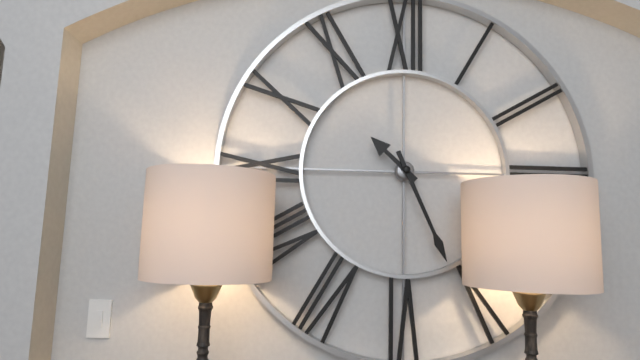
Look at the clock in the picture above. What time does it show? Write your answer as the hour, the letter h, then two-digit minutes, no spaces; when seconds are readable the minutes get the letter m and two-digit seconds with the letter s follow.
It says 10h26
